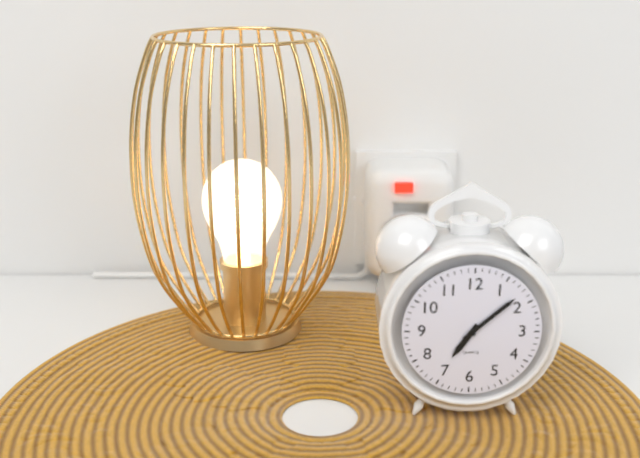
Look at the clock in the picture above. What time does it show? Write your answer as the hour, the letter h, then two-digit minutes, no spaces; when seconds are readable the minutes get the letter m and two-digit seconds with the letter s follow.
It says 7h08
